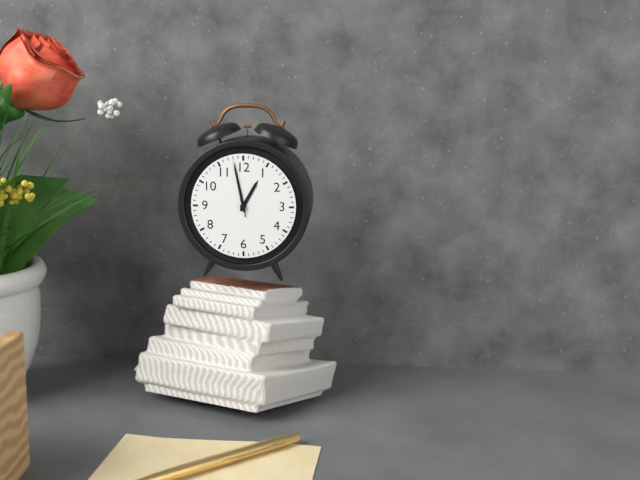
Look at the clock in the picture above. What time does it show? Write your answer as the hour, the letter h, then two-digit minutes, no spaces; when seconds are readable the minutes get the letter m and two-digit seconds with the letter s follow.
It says 12h58m58s
